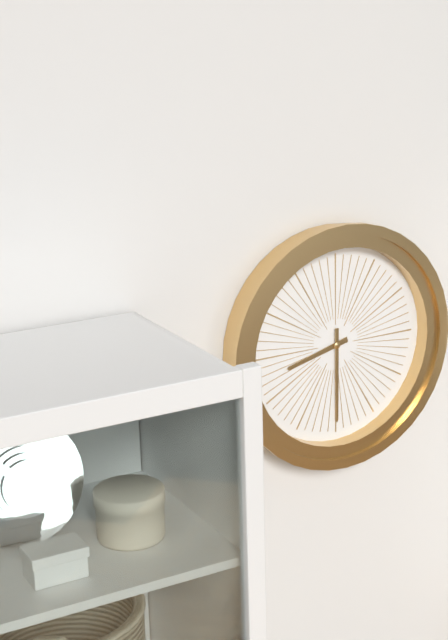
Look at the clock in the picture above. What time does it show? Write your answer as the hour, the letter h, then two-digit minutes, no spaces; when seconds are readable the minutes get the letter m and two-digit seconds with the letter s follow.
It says 8h30
